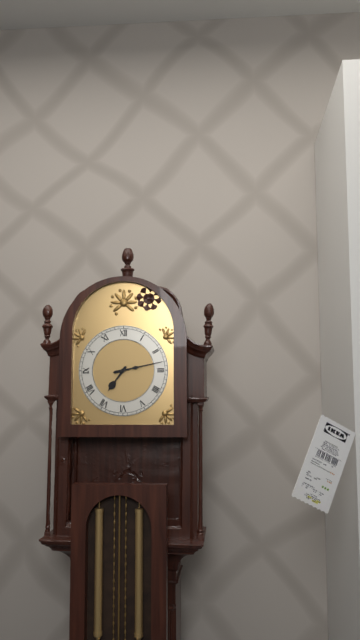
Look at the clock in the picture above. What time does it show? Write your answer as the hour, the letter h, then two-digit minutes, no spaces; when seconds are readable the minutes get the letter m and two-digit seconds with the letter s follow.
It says 7h13
